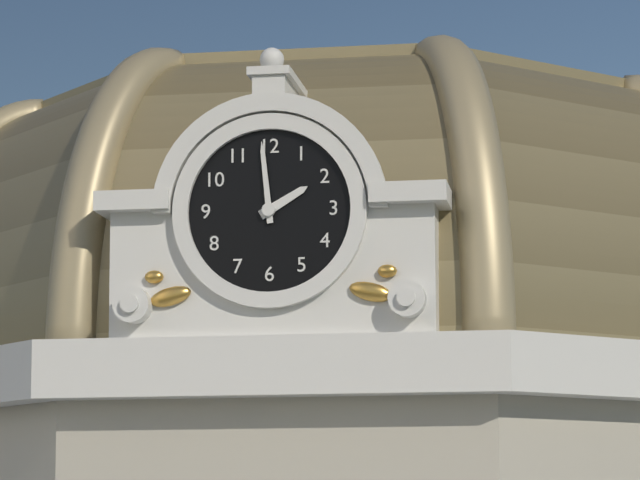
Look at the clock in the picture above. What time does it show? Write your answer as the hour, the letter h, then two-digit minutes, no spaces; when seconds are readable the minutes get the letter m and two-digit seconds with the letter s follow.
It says 1h59
